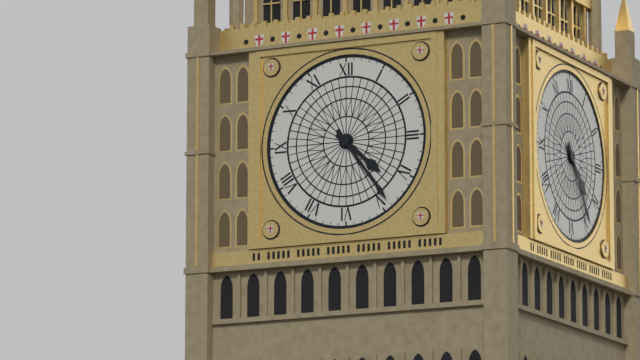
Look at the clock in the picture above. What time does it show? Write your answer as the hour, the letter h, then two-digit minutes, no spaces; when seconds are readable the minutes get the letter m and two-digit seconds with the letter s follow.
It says 4h24
